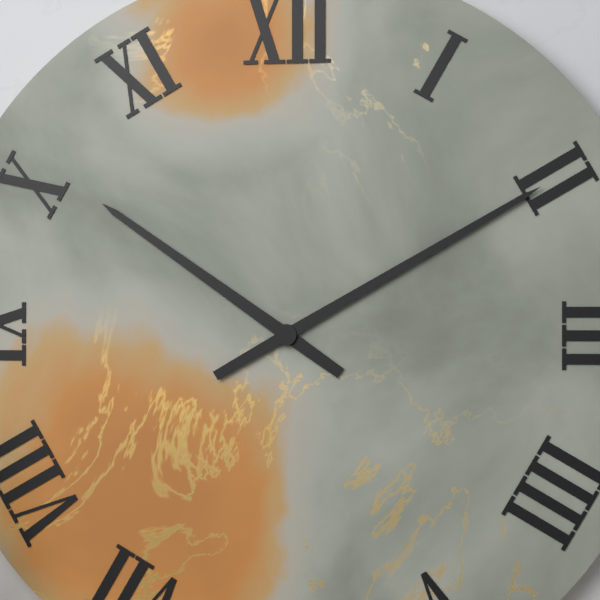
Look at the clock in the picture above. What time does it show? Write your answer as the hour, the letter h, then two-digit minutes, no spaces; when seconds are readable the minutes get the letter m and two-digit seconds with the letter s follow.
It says 10h10
